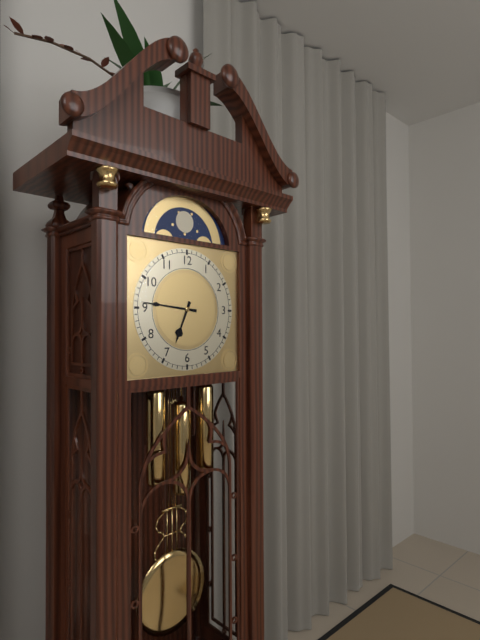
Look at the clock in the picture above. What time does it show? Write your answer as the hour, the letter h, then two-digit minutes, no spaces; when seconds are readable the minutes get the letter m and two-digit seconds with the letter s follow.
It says 6h46
